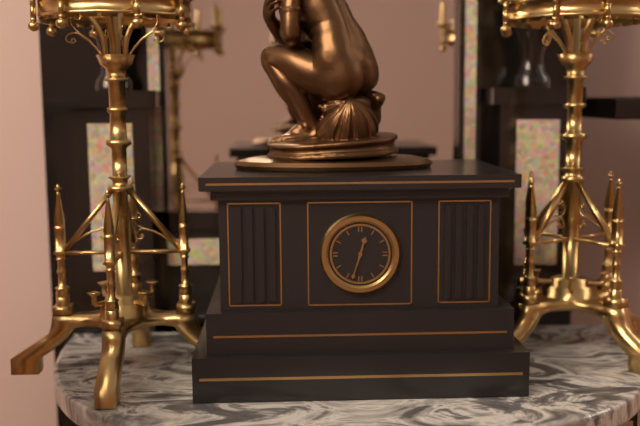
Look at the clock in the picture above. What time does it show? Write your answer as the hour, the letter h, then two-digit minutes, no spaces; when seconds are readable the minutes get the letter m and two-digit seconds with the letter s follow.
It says 12h33
